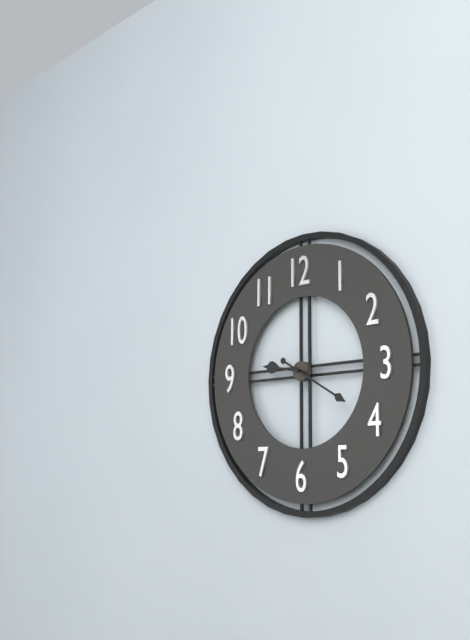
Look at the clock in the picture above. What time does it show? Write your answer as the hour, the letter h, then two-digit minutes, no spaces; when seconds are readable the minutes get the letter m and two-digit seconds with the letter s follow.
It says 9h20
